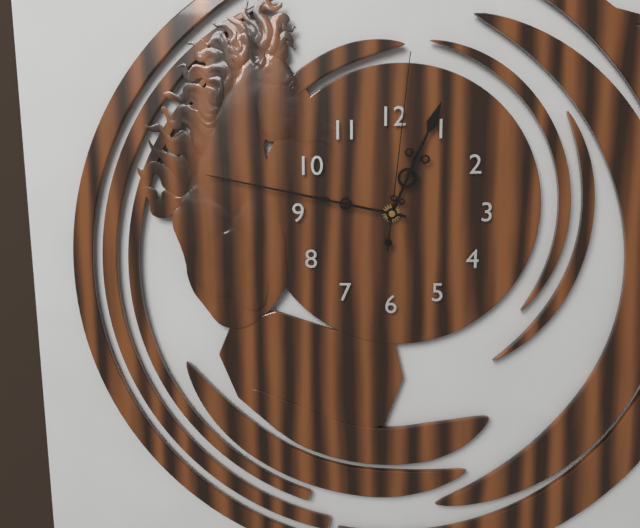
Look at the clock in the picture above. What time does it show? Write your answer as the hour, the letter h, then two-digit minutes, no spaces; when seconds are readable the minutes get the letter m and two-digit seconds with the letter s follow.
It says 12h47m01s
